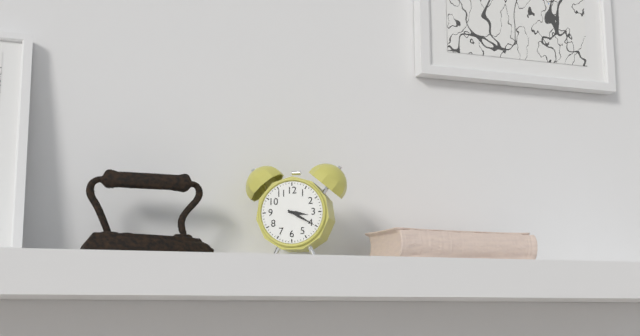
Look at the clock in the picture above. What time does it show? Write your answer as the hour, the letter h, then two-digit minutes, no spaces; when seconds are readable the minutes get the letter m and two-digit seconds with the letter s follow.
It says 3h20
